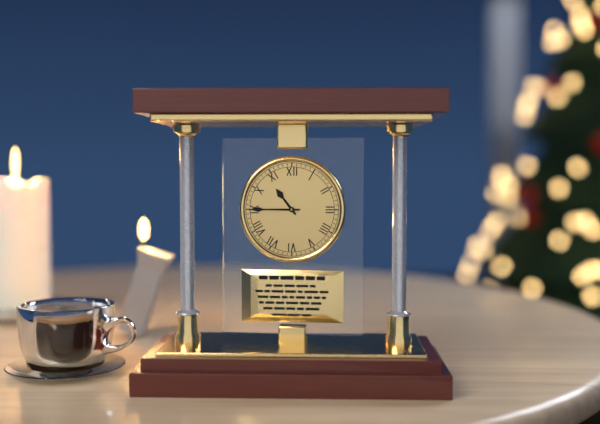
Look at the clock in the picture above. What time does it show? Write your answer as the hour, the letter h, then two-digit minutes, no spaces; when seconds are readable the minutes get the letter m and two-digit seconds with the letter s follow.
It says 10h45
